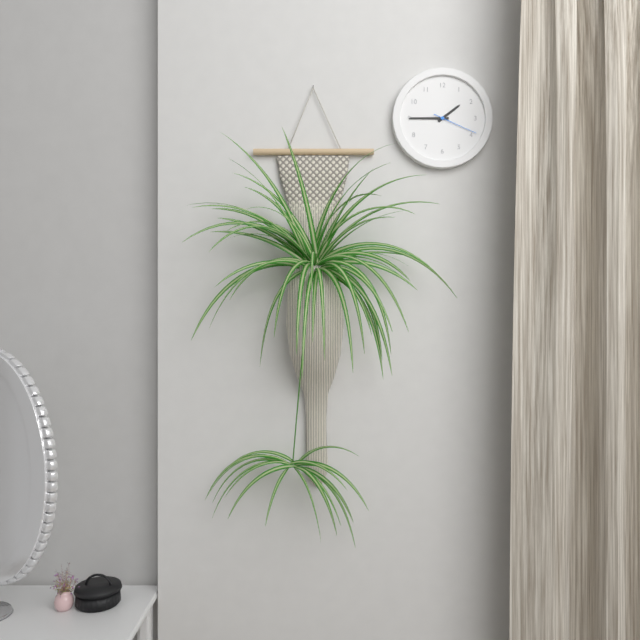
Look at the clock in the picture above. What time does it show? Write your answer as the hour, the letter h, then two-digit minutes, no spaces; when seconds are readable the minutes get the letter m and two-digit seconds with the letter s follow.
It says 1h45
